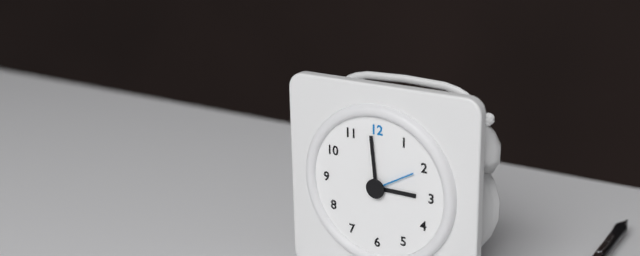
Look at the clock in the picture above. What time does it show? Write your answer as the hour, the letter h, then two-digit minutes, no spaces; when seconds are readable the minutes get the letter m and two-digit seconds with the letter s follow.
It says 2h59m10s
